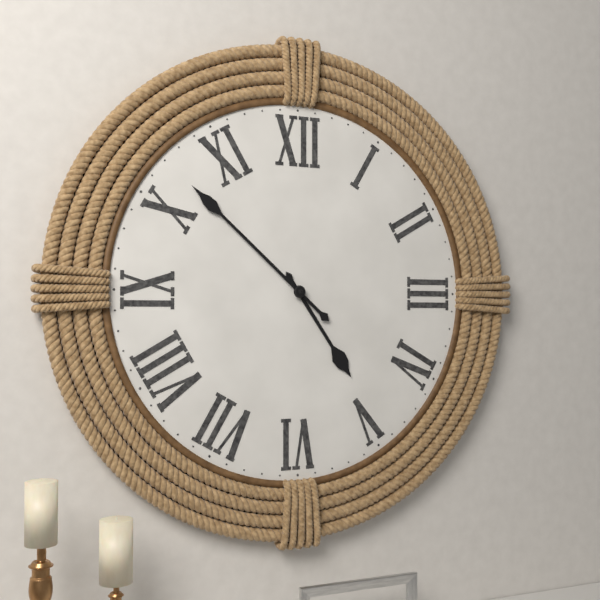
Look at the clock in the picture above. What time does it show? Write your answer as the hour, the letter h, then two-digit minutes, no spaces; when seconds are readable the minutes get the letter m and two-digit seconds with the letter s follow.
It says 4h52
